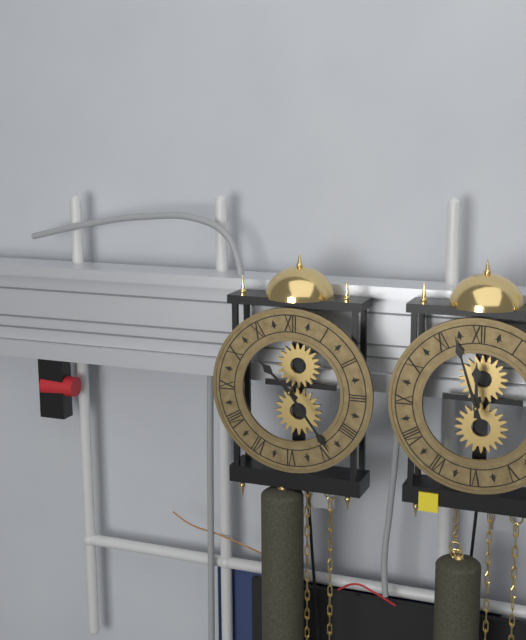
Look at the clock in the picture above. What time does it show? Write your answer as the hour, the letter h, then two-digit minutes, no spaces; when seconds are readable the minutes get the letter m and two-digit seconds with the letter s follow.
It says 10h24
